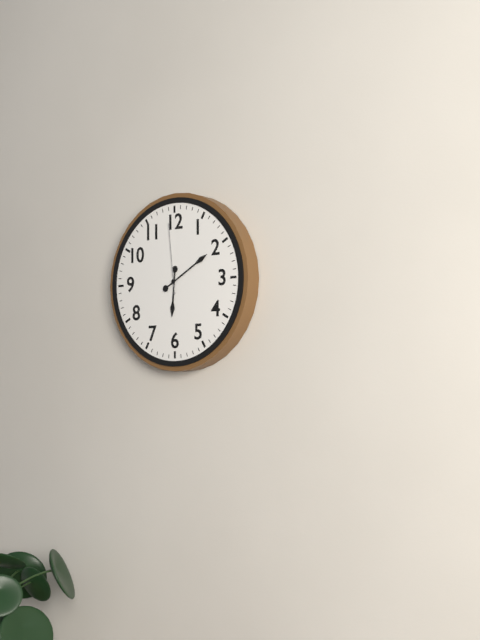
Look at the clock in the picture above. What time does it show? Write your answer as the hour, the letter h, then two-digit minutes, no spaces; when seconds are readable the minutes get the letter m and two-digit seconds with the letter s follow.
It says 6h10m59s
